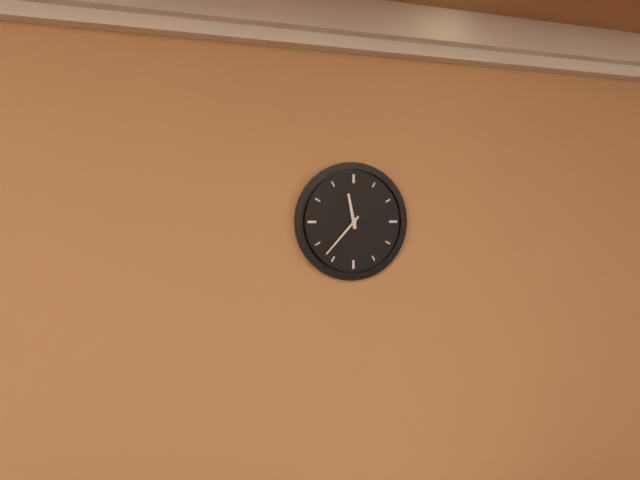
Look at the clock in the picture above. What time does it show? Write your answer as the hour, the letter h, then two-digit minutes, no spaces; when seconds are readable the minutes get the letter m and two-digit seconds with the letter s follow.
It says 11h37
